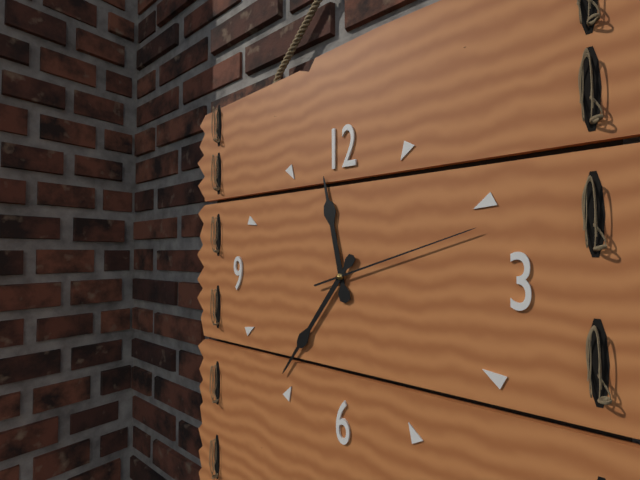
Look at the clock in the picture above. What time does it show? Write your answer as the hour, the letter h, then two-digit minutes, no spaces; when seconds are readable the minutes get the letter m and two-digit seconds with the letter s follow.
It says 11h36m12s
